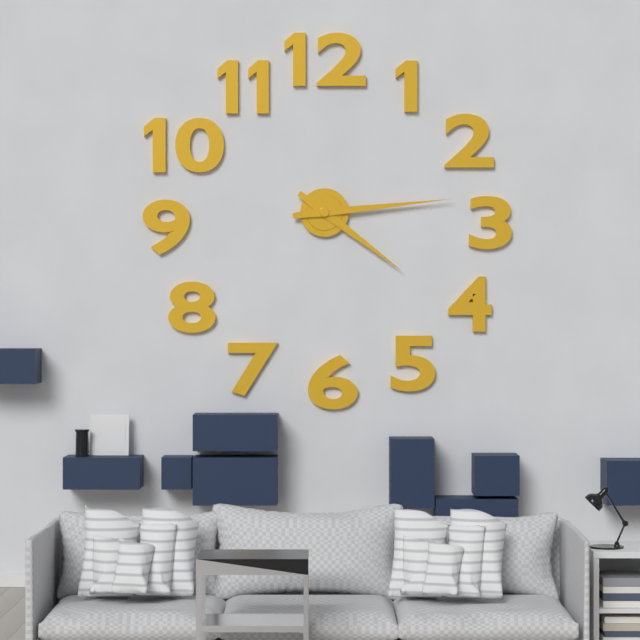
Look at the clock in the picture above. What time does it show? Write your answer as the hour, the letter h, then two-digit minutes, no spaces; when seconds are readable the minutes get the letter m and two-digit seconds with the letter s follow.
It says 4h14
